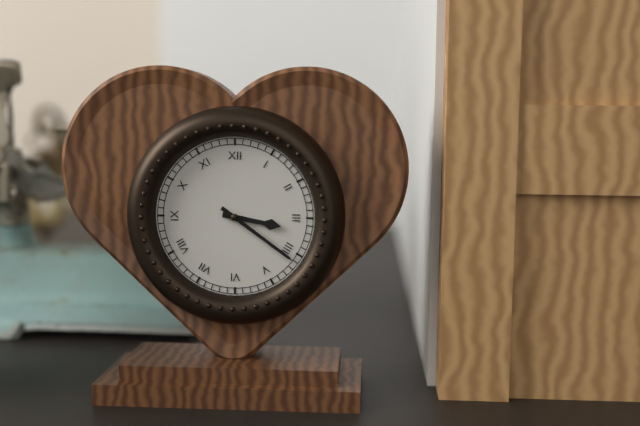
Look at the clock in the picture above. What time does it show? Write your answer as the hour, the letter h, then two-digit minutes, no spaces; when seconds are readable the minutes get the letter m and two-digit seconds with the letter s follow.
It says 3h21
